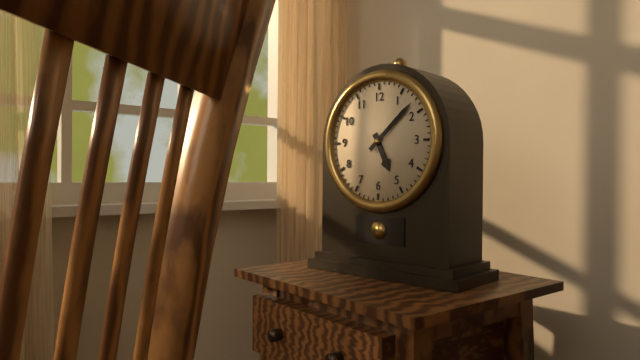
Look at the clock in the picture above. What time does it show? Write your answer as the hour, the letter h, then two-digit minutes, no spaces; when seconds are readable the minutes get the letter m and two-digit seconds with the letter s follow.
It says 5h08
